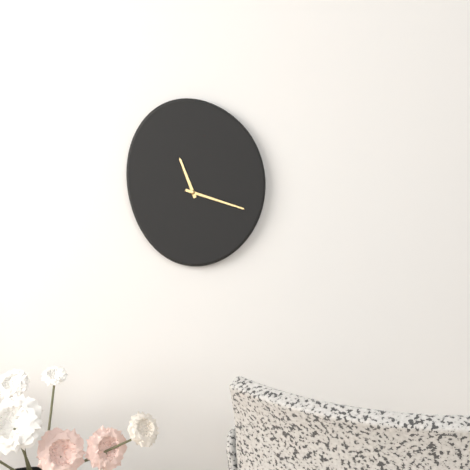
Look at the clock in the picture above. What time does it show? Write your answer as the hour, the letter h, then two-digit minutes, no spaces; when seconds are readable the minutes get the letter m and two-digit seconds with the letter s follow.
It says 11h18
